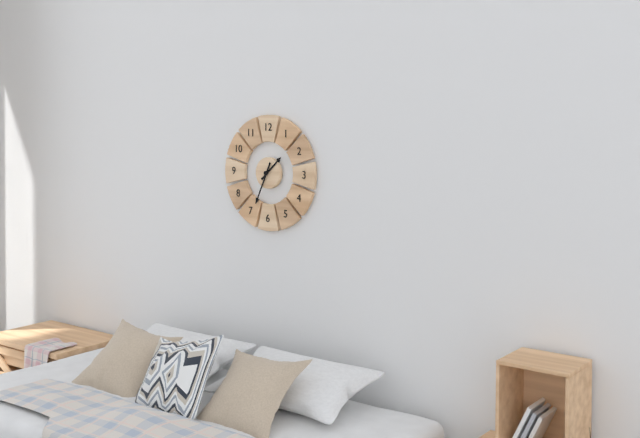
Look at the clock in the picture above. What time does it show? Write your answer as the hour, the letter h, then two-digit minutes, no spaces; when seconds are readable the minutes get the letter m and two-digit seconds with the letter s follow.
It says 1h34
